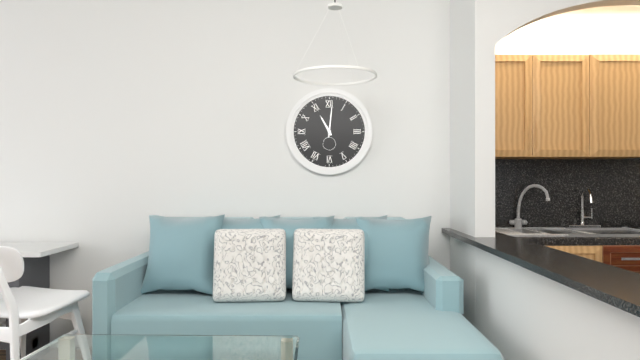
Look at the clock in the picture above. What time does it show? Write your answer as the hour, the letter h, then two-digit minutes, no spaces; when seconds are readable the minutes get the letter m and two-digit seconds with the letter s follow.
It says 11h01
